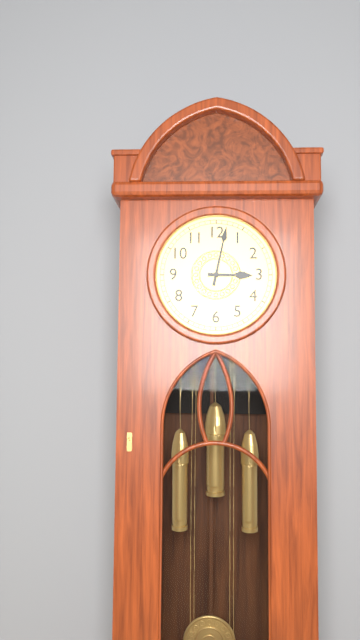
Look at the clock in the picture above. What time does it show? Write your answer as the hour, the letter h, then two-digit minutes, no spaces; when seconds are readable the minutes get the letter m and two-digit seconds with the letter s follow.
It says 3h02
